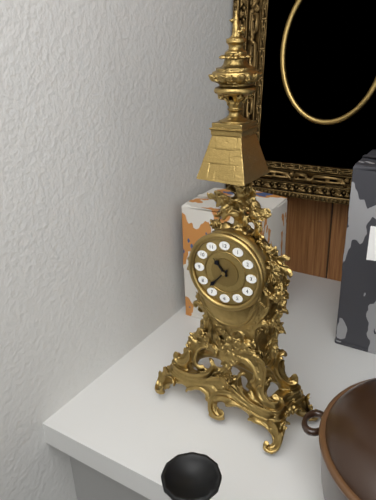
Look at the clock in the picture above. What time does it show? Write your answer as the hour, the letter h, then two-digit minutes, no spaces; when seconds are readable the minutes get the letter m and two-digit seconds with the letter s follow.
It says 10h37
